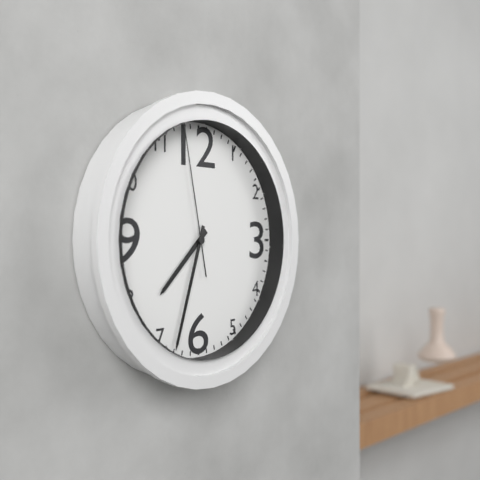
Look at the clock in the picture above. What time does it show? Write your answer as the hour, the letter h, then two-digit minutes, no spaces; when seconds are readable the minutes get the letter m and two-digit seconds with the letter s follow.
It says 7h33m58s
